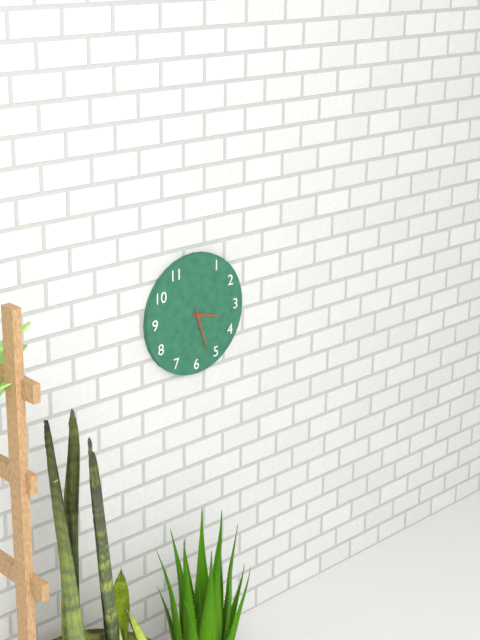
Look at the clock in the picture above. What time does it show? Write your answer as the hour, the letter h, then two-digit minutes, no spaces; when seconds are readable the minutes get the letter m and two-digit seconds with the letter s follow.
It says 3h27
